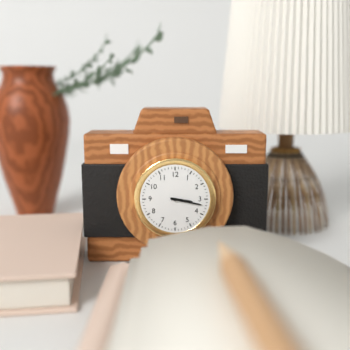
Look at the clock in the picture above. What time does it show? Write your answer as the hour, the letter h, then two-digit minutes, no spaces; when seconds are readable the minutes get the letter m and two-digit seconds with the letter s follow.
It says 3h17
